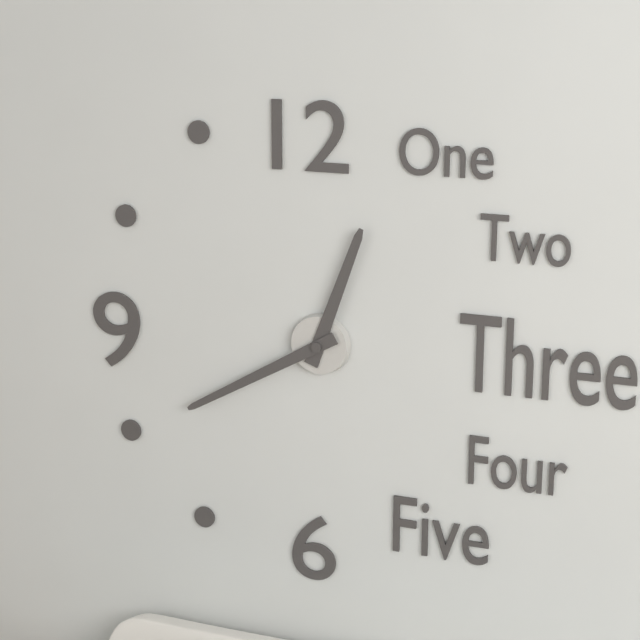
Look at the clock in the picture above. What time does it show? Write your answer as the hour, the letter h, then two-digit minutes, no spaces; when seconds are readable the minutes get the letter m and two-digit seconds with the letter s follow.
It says 12h40
